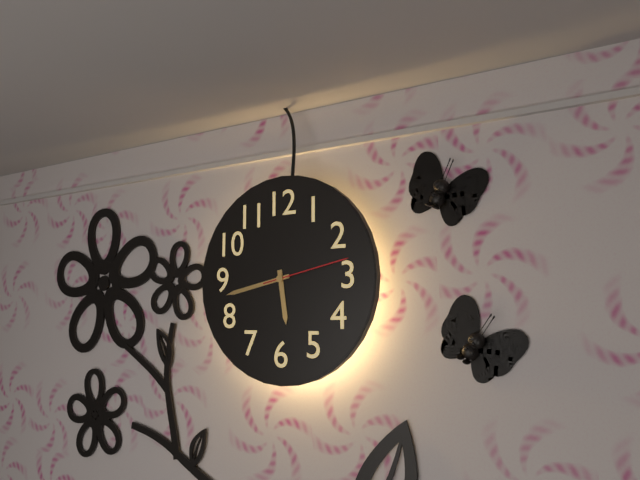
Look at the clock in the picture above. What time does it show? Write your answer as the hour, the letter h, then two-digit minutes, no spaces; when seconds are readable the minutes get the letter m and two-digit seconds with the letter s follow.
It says 5h43m13s
